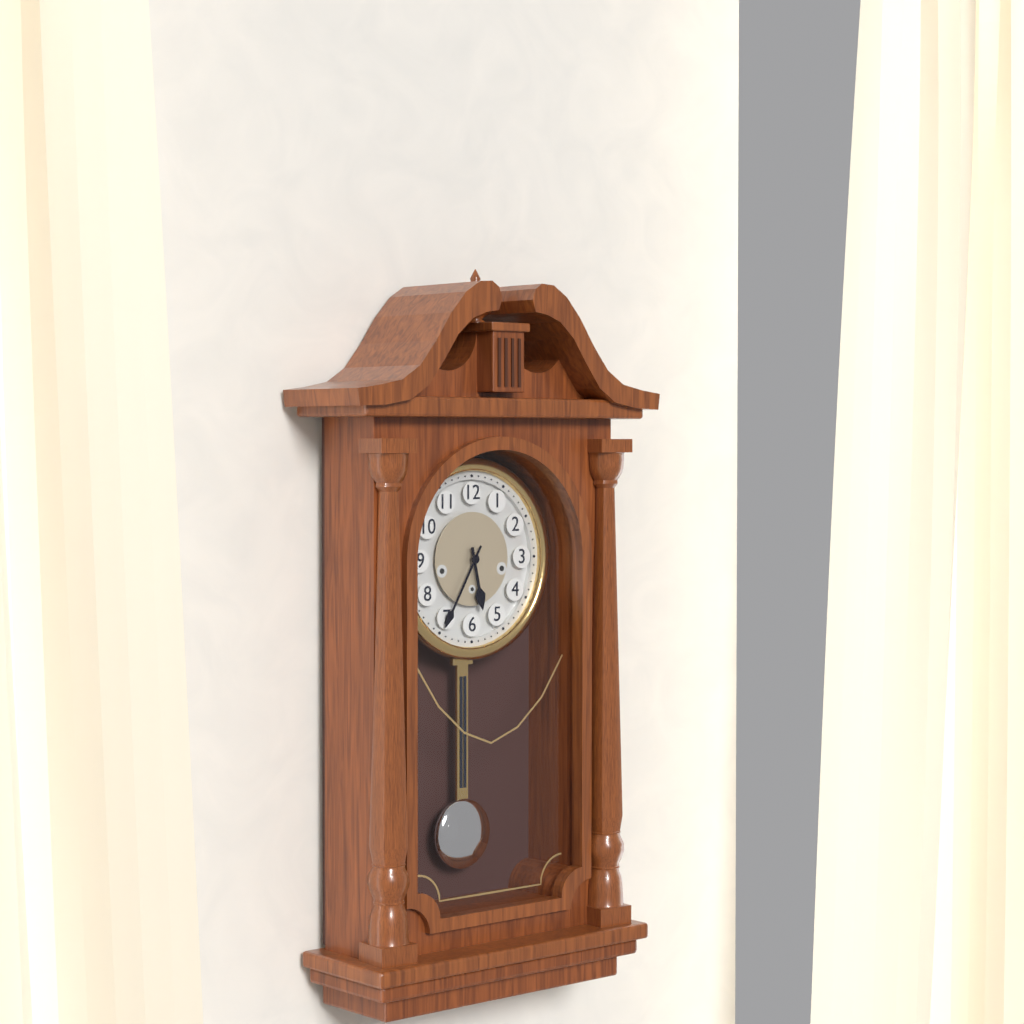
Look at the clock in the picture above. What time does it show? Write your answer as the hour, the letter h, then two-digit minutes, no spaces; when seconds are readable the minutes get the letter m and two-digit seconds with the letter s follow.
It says 5h35
